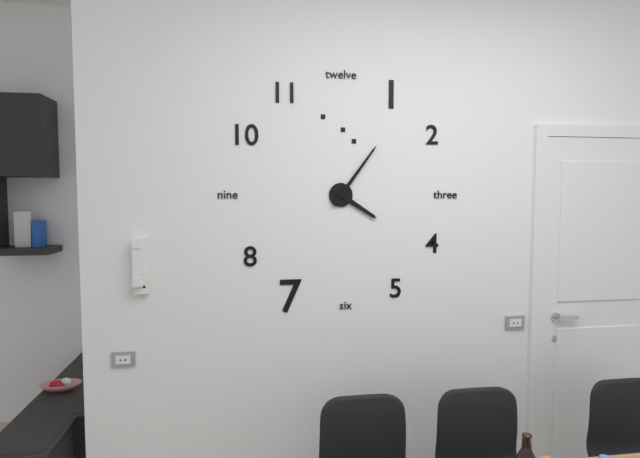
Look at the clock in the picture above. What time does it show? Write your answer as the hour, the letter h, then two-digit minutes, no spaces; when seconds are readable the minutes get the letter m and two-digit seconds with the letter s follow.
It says 4h06
